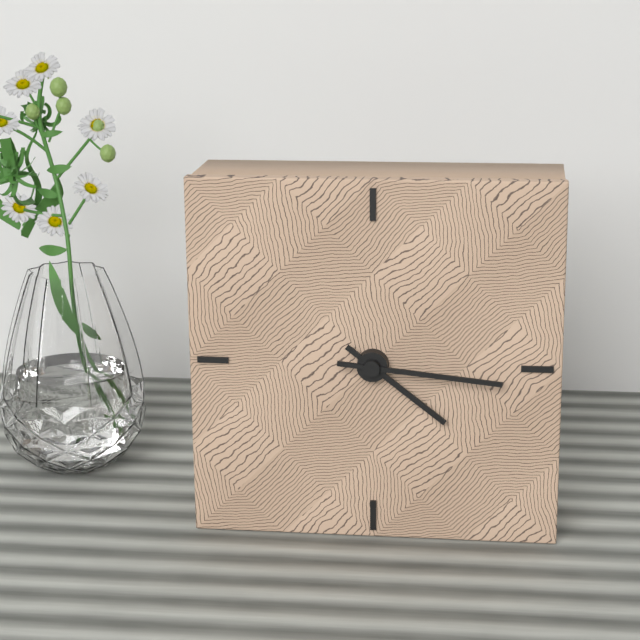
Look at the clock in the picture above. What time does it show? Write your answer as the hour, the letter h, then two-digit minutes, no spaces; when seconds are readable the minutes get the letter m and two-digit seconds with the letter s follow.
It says 4h16
